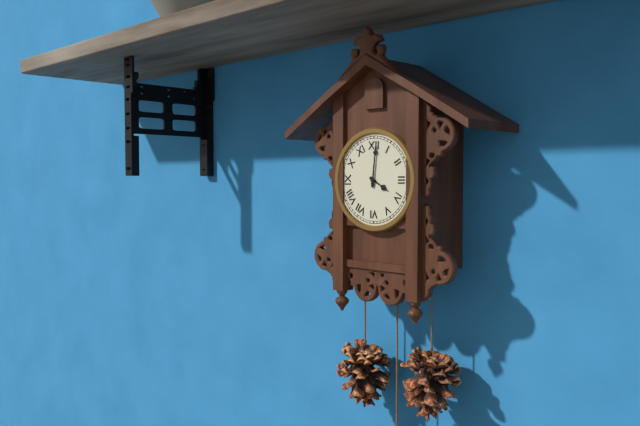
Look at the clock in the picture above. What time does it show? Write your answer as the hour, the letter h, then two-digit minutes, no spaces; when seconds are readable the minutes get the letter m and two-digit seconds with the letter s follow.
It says 4h01
